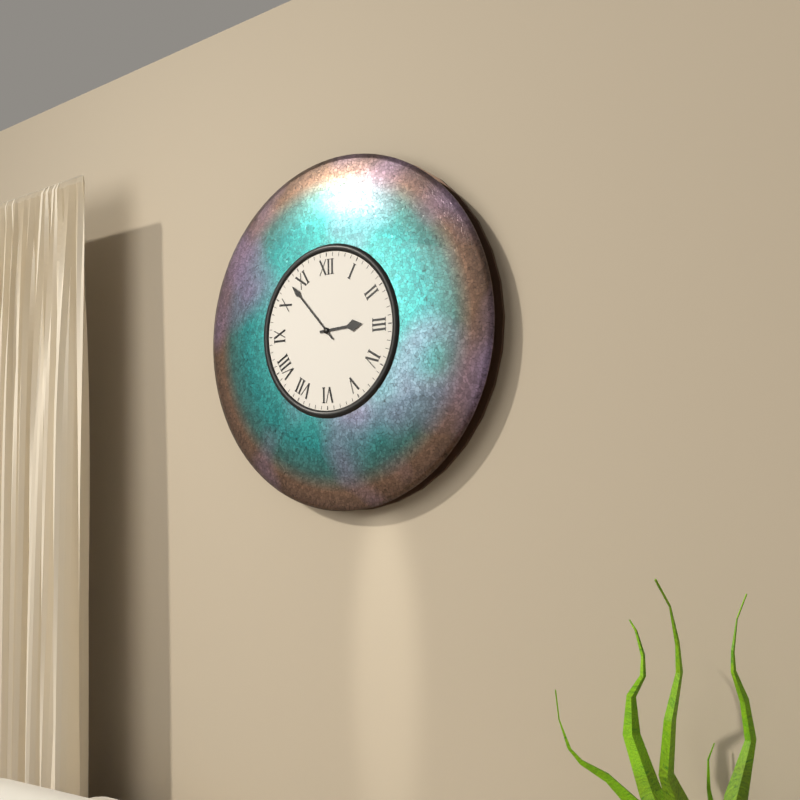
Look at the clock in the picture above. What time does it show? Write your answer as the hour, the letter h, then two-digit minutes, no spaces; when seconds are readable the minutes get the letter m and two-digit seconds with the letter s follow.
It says 2h53
